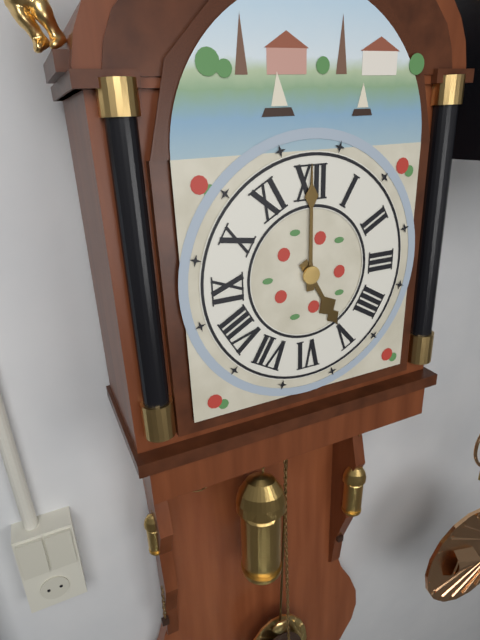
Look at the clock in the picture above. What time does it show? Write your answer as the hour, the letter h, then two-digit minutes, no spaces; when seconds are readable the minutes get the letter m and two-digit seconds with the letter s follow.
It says 5h00
